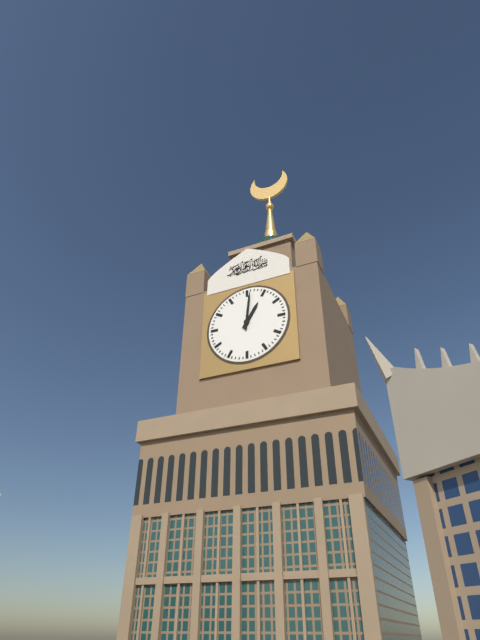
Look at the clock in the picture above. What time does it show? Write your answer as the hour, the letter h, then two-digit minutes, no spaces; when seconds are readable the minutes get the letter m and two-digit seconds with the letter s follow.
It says 1h01
